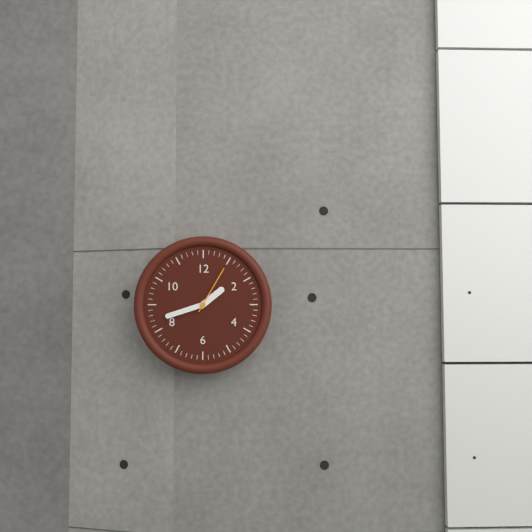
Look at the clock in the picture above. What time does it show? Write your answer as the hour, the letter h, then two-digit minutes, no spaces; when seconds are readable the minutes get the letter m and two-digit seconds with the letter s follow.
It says 1h42m05s
